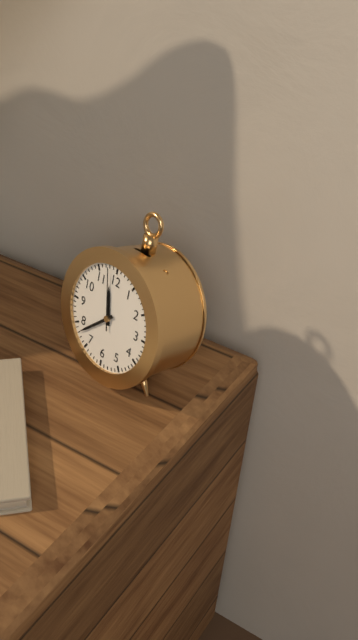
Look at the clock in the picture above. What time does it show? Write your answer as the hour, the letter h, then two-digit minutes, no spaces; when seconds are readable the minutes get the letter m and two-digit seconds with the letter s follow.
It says 11h38m58s
